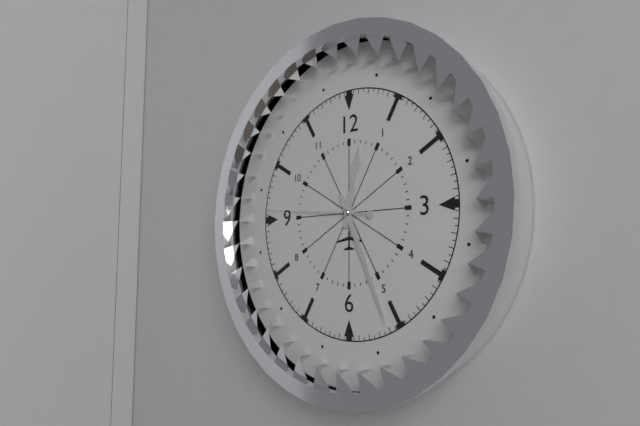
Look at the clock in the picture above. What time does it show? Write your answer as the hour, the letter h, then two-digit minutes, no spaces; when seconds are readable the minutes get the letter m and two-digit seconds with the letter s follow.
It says 12h26m46s
